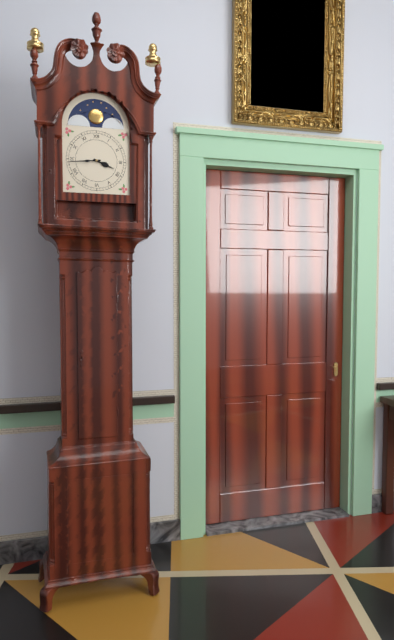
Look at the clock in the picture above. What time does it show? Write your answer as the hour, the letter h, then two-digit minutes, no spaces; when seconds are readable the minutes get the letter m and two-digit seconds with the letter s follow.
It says 3h44
